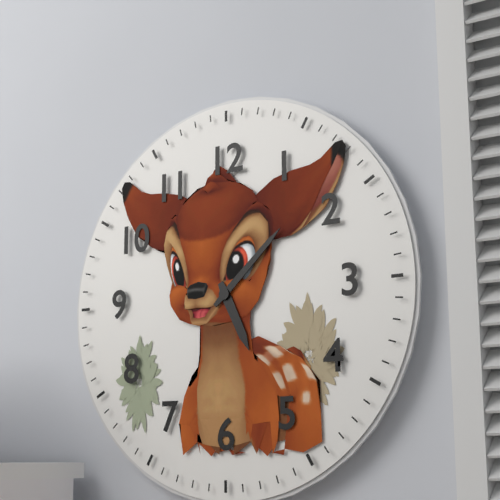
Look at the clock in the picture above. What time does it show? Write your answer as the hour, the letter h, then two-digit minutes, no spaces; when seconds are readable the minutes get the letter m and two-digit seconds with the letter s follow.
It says 5h08
